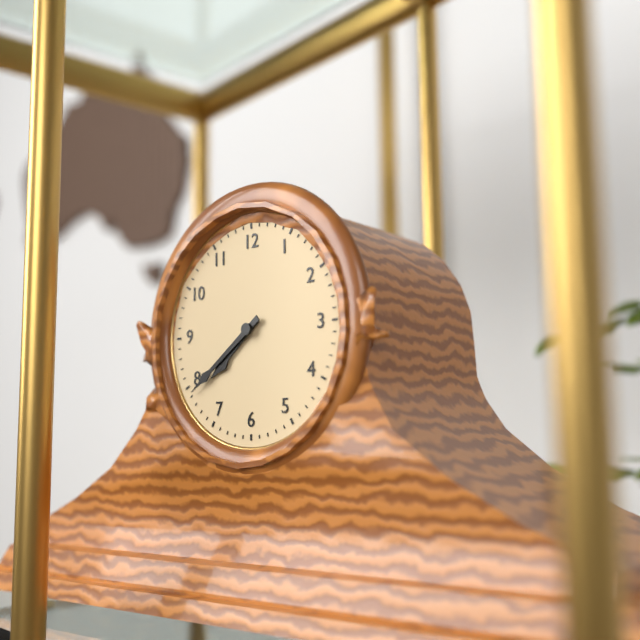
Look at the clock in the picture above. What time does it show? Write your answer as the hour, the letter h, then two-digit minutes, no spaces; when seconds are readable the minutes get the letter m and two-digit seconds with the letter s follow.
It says 7h39
